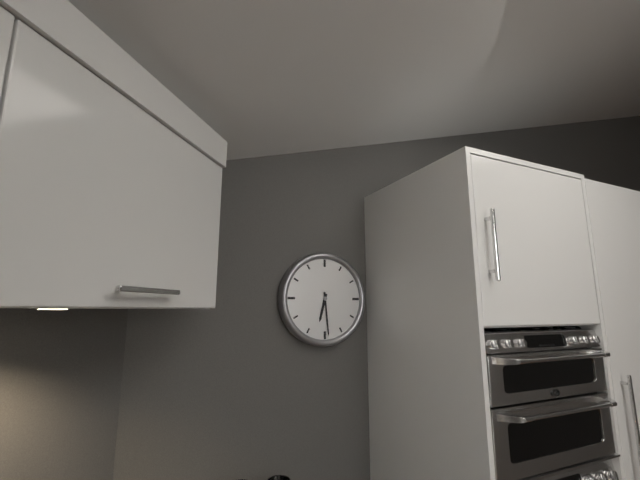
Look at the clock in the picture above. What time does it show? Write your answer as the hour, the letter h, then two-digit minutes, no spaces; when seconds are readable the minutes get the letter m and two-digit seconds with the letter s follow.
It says 6h29
